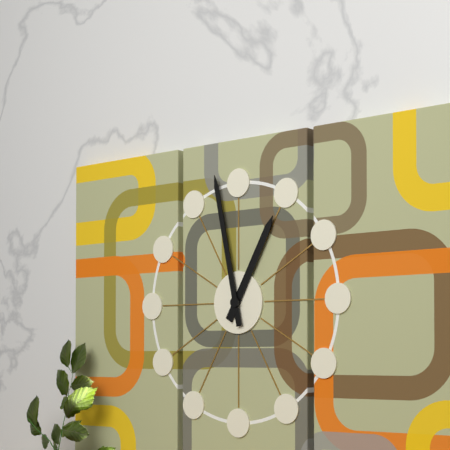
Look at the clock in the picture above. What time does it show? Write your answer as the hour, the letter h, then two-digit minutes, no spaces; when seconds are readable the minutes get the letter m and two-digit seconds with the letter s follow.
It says 12h58
